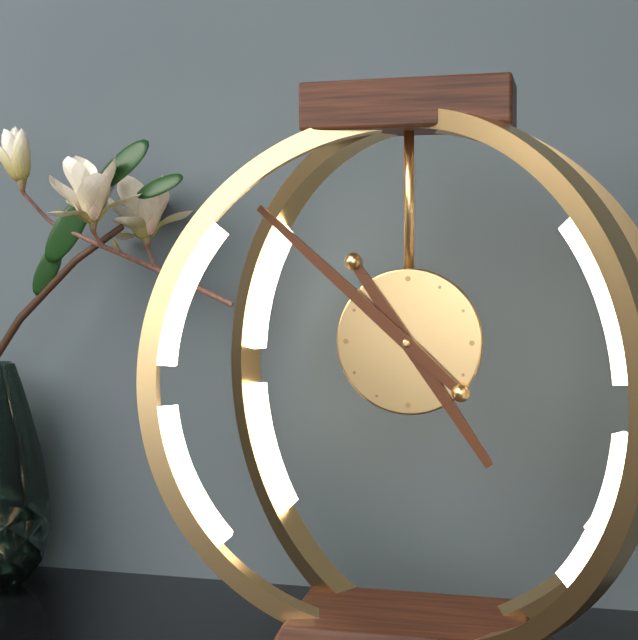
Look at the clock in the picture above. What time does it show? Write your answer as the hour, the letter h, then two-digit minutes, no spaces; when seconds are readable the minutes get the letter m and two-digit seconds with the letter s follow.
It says 4h52
